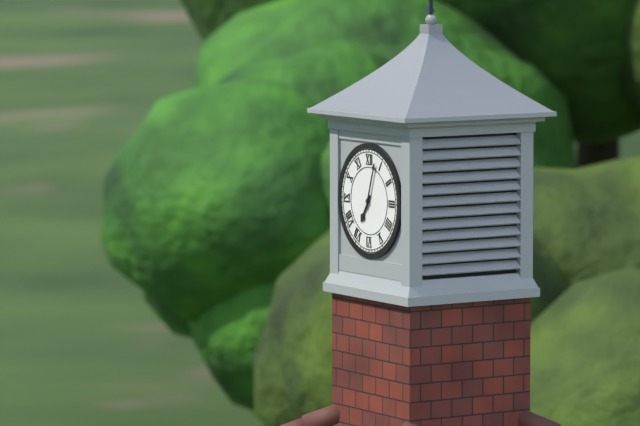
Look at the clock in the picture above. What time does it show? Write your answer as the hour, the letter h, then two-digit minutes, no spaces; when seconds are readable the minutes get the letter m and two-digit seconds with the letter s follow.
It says 7h03
